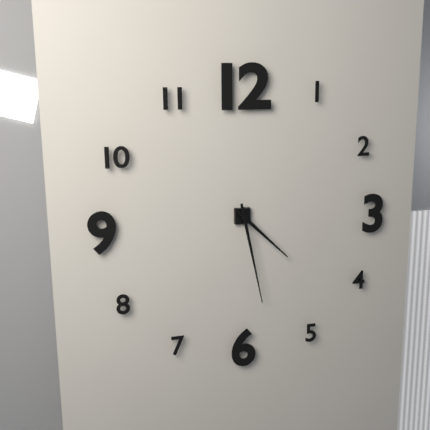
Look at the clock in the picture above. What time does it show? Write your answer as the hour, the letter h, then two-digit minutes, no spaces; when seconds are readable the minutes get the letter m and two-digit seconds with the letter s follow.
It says 4h28
